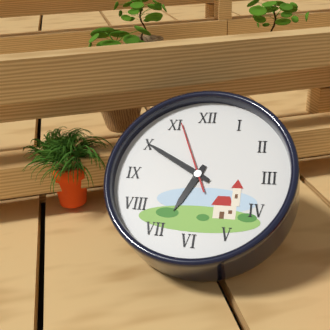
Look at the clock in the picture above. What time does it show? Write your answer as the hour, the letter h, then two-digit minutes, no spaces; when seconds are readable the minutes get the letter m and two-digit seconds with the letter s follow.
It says 6h50m56s
